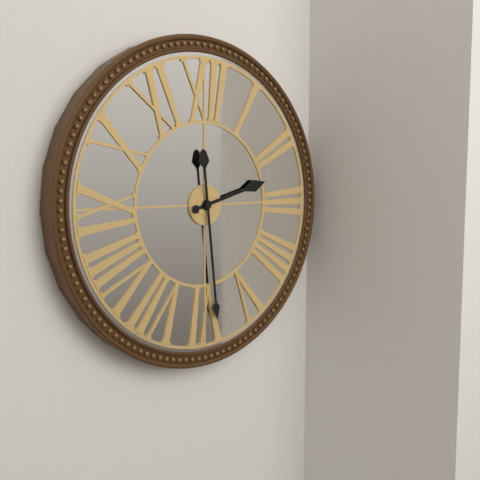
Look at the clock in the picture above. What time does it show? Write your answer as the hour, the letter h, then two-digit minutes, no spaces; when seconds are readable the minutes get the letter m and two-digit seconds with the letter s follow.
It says 2h29
